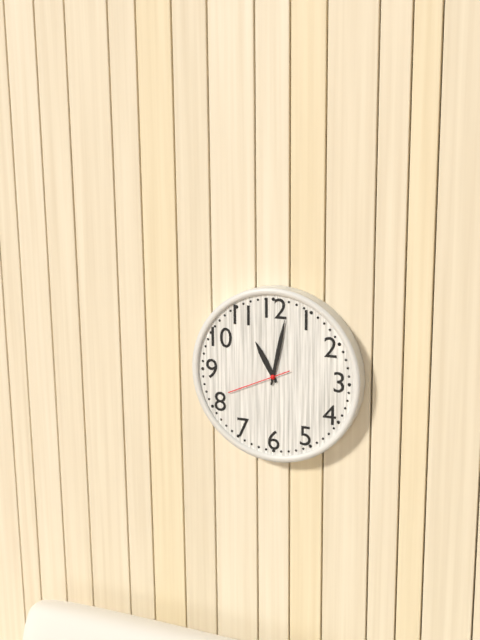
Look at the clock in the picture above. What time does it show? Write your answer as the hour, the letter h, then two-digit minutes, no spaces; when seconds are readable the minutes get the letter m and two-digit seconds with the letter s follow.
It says 11h02m41s
